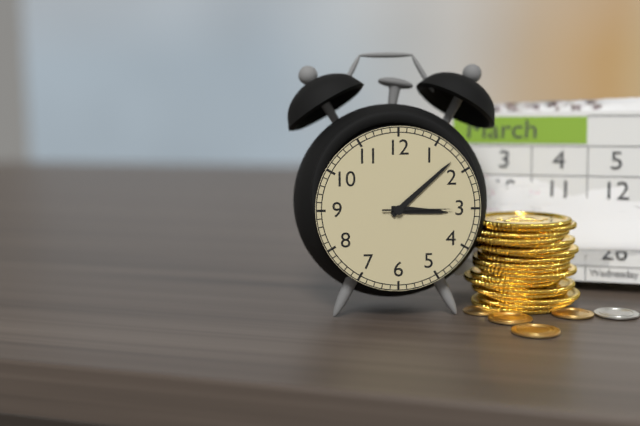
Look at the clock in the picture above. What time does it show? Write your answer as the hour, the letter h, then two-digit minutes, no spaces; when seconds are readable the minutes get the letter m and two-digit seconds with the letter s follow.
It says 3h08m15s
